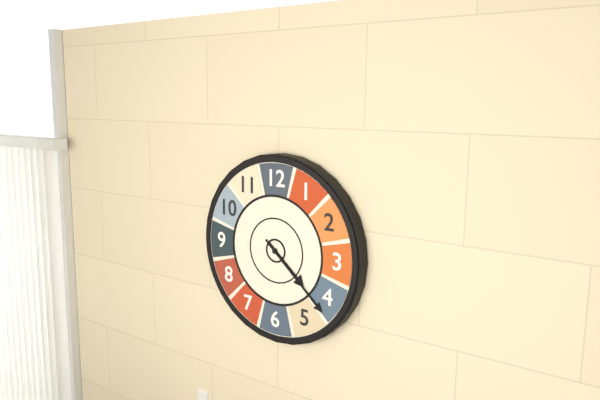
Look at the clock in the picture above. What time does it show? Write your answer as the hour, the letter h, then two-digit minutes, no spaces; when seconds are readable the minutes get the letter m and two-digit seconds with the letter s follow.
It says 4h22
